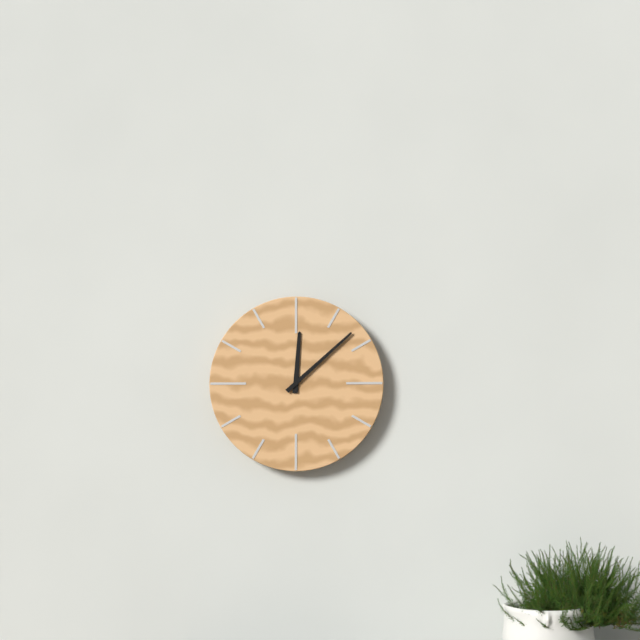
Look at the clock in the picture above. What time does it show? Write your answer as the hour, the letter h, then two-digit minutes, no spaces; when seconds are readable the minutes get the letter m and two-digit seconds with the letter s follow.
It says 12h08
